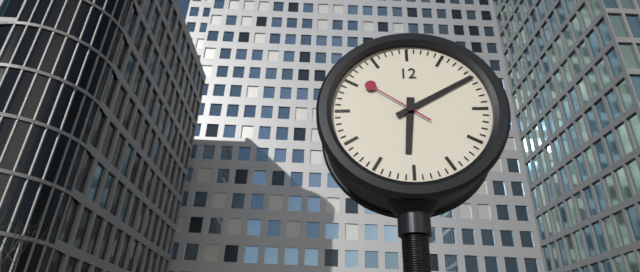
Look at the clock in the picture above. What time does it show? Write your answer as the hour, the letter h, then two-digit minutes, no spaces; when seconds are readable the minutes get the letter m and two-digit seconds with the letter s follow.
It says 6h10m51s
